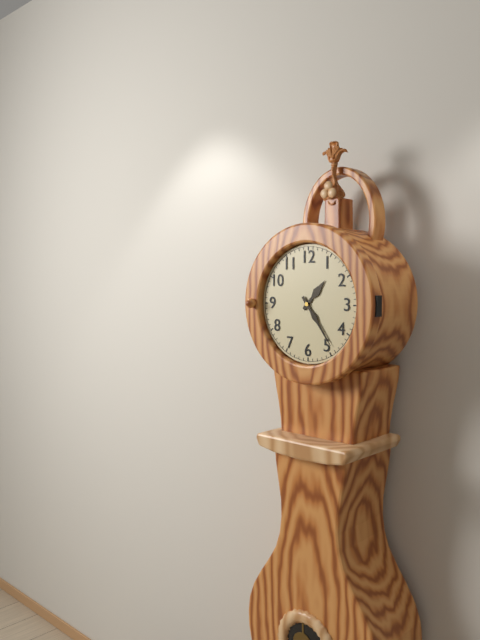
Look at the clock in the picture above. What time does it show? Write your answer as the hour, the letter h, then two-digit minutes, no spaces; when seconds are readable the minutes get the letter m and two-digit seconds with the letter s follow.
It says 1h24
